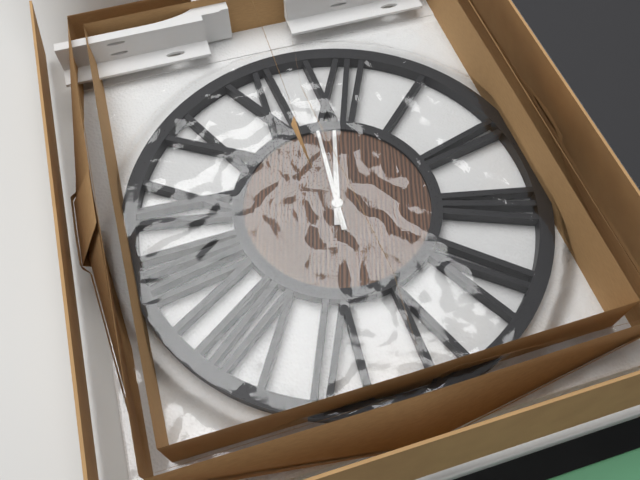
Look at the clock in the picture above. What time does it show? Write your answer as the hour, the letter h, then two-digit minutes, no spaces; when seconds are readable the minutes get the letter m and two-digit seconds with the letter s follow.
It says 11h58
